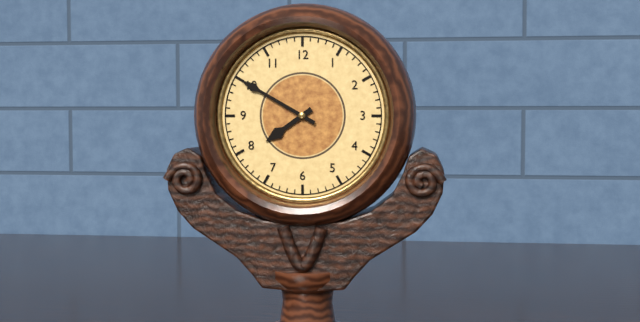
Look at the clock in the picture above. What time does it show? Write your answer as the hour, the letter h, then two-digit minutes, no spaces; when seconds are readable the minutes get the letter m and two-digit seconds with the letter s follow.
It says 7h50
